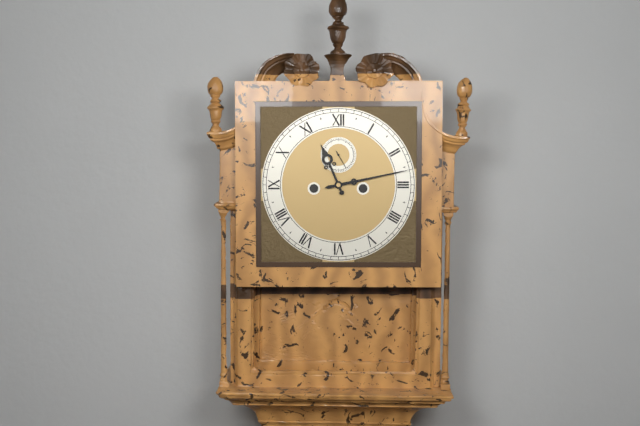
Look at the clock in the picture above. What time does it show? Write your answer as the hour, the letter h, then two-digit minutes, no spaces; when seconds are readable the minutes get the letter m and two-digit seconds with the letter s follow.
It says 11h13
